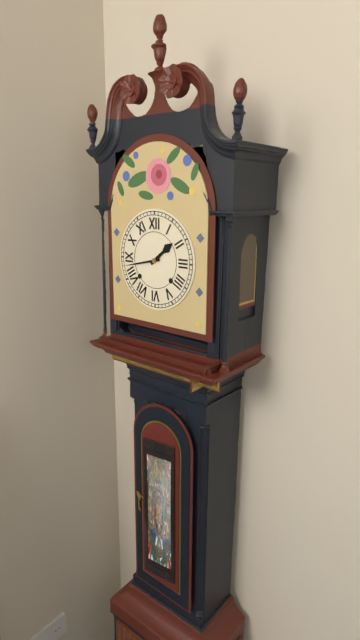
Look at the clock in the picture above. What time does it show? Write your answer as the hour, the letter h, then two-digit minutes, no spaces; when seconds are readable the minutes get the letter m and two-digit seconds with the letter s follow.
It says 1h43
